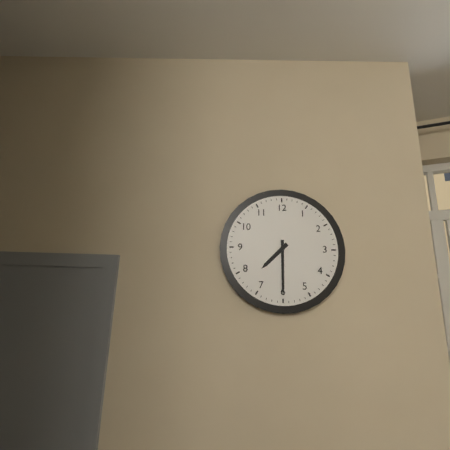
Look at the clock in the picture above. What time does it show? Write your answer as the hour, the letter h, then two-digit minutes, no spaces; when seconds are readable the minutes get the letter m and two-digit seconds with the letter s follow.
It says 7h30
